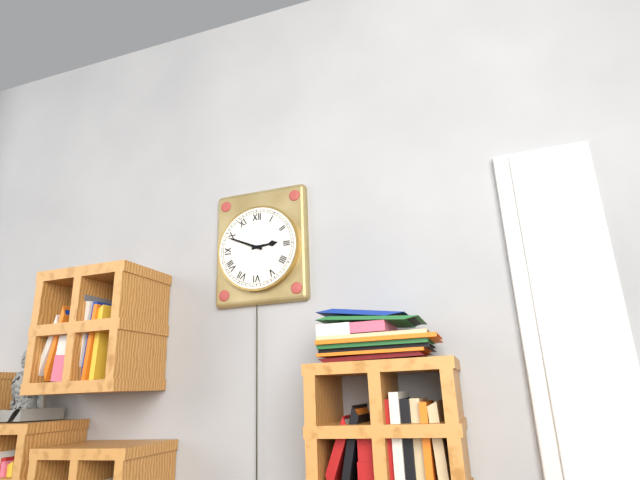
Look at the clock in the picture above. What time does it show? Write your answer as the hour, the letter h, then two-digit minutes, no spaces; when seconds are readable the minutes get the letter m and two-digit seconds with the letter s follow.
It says 2h49
